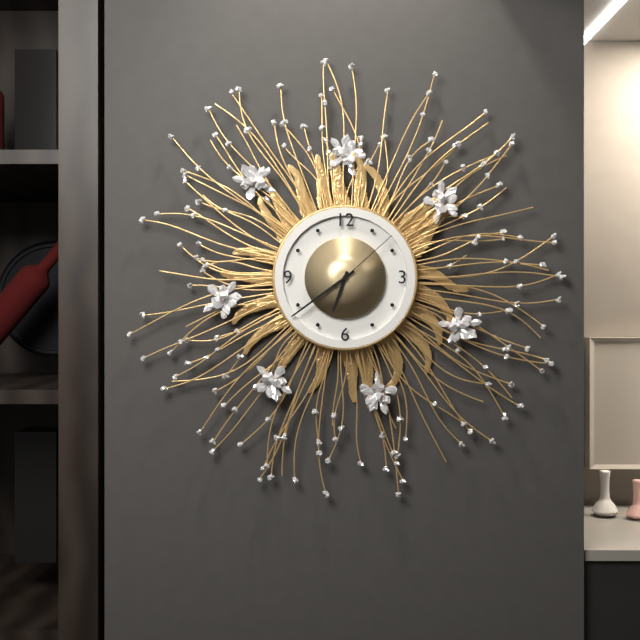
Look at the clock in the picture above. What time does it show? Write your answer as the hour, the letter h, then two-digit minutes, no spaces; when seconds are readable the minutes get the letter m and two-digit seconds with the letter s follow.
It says 6h39m08s
